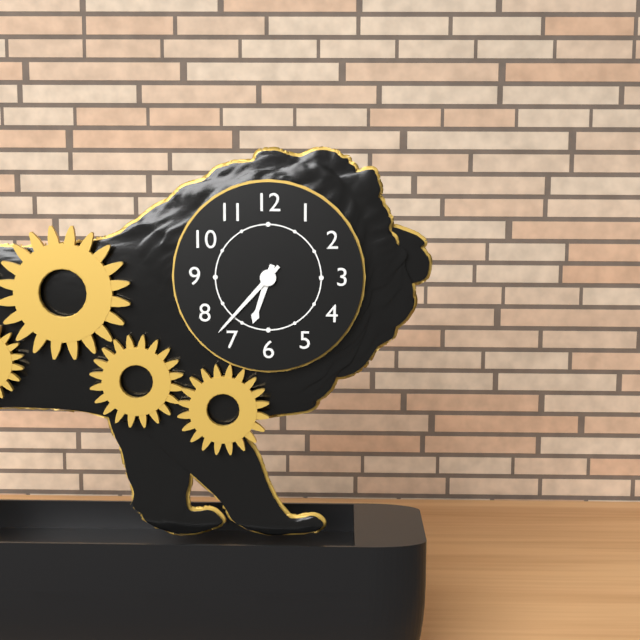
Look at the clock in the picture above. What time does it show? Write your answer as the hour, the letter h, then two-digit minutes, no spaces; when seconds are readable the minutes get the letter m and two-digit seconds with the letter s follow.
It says 6h37
